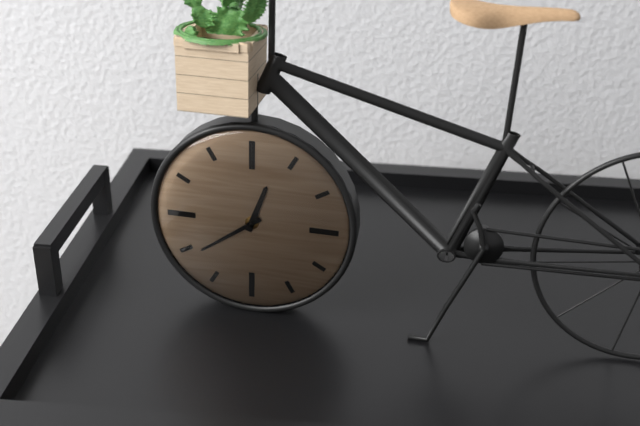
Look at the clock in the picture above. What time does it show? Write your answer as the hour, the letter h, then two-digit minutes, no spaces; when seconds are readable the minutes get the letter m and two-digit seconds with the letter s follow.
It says 12h39
